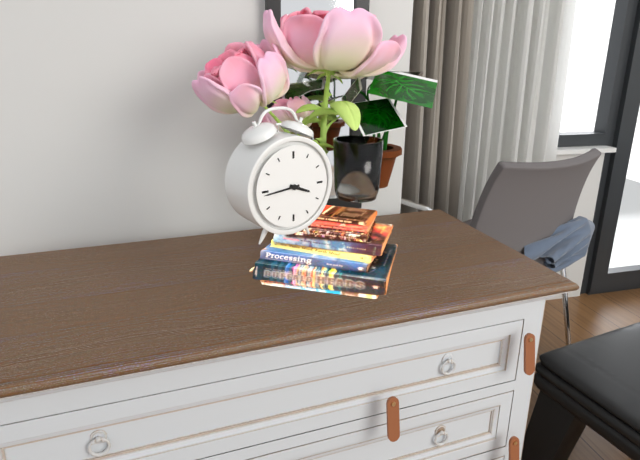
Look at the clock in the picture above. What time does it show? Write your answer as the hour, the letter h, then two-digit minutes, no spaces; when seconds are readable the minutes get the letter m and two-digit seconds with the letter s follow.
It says 3h44
